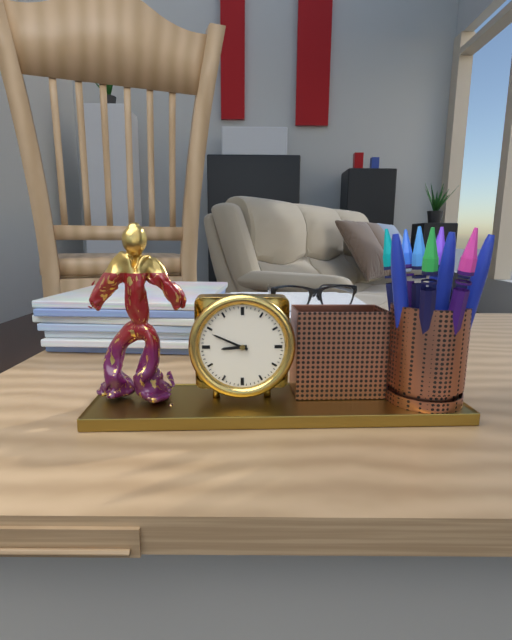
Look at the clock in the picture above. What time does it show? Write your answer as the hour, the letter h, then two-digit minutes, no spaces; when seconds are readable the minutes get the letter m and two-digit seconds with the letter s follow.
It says 8h49
